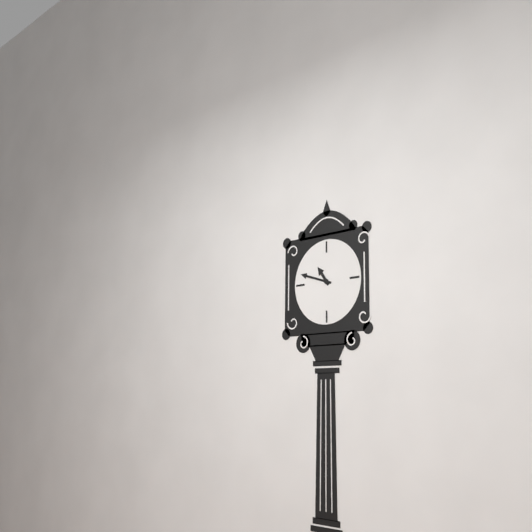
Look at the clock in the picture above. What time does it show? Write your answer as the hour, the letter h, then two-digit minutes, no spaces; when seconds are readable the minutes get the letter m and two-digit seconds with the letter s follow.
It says 10h48
